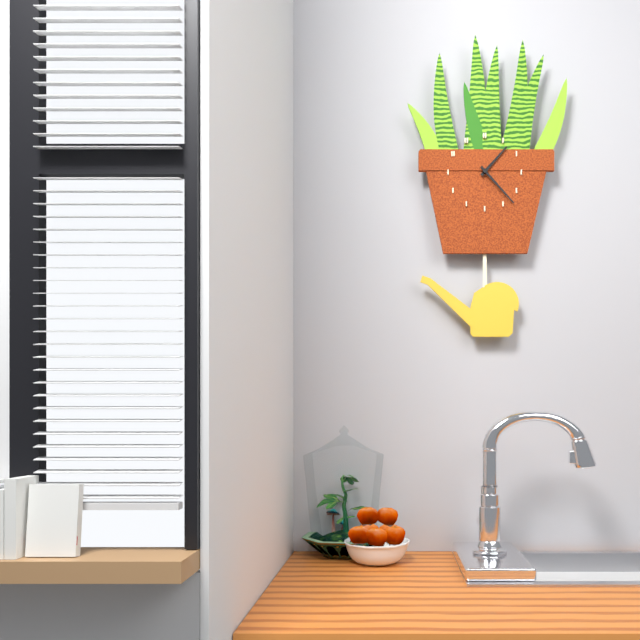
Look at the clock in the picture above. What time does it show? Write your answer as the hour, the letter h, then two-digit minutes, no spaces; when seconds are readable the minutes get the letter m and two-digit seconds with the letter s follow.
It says 1h23
